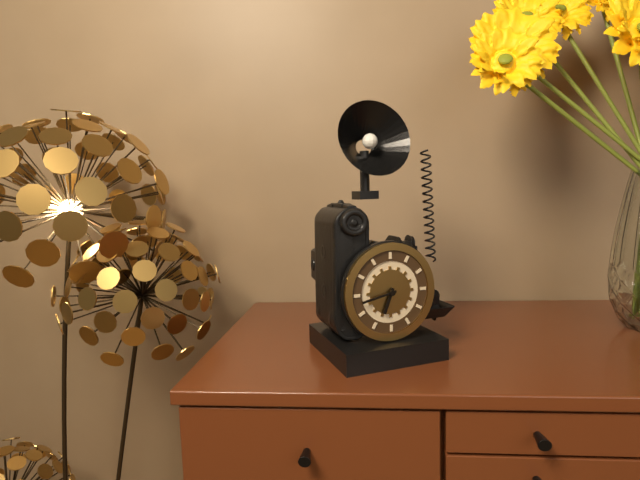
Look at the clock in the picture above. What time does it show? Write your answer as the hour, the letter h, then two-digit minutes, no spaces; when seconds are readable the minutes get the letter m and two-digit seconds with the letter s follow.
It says 6h43
